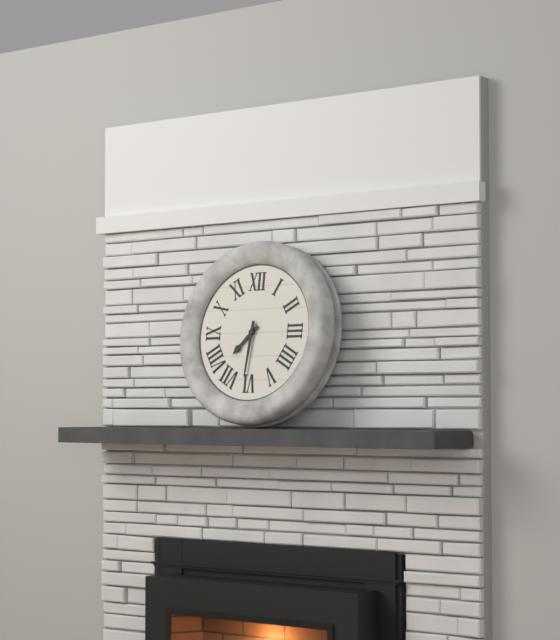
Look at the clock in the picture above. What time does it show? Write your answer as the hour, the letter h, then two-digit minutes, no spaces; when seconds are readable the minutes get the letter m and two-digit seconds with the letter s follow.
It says 7h31
